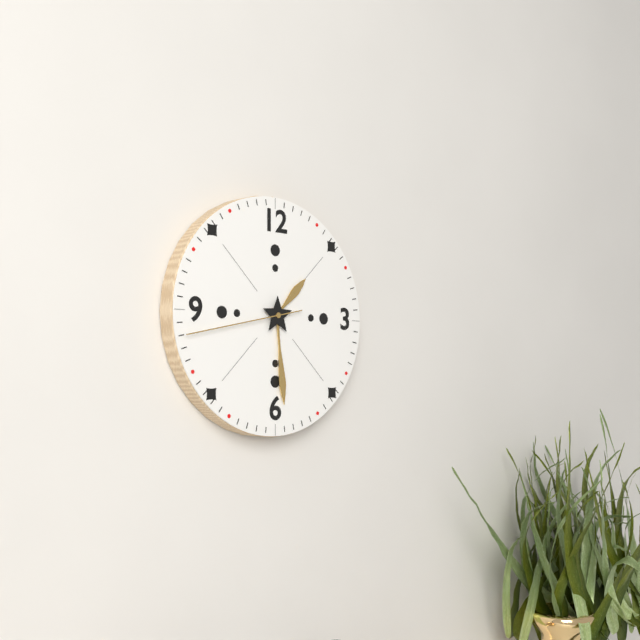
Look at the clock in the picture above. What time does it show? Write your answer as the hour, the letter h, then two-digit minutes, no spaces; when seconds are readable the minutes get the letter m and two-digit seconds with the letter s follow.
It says 1h29m43s
